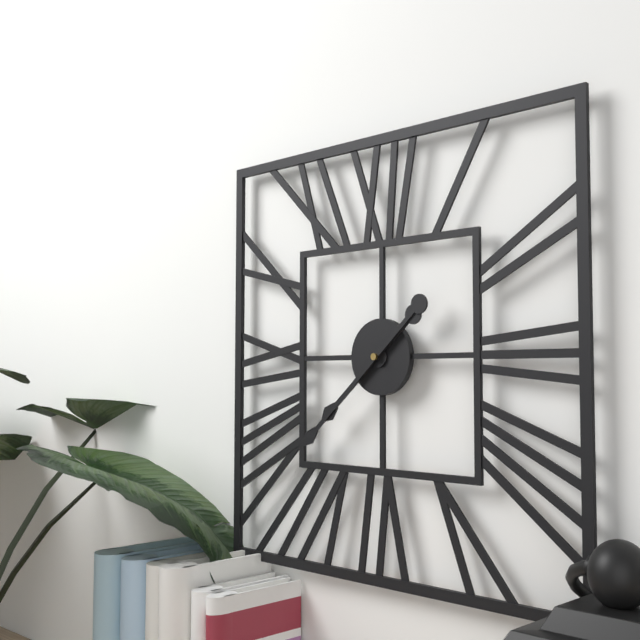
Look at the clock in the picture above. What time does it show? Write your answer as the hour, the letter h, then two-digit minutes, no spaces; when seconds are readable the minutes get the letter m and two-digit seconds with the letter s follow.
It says 7h38
